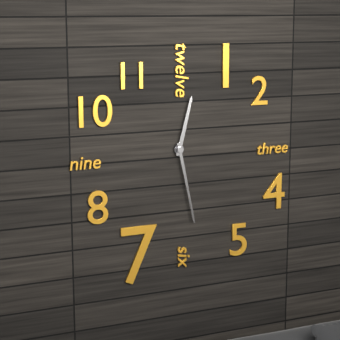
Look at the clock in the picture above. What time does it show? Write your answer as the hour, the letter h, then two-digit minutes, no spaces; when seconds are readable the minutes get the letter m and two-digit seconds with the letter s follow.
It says 12h28
